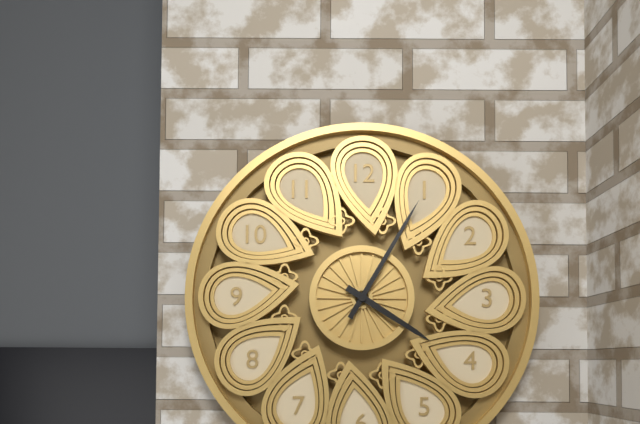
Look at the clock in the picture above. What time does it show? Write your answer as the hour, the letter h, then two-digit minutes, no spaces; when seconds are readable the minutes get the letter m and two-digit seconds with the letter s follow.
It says 4h05
